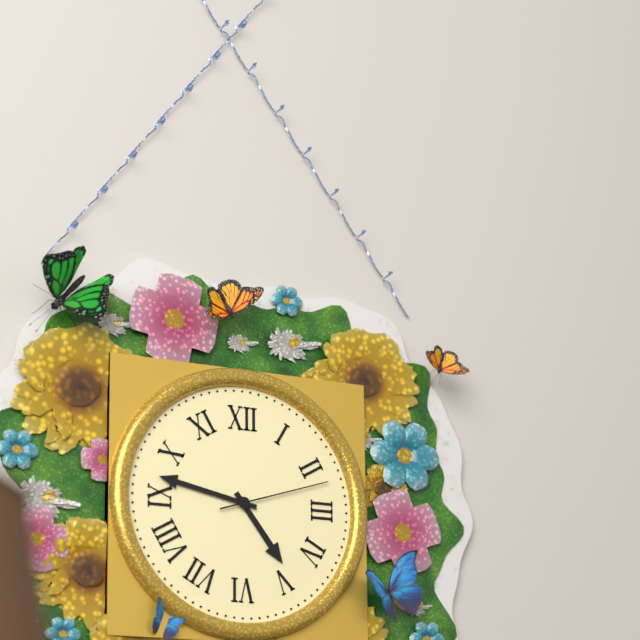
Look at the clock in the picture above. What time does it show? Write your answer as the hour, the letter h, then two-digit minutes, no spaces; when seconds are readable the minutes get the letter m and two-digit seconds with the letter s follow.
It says 4h47m12s
